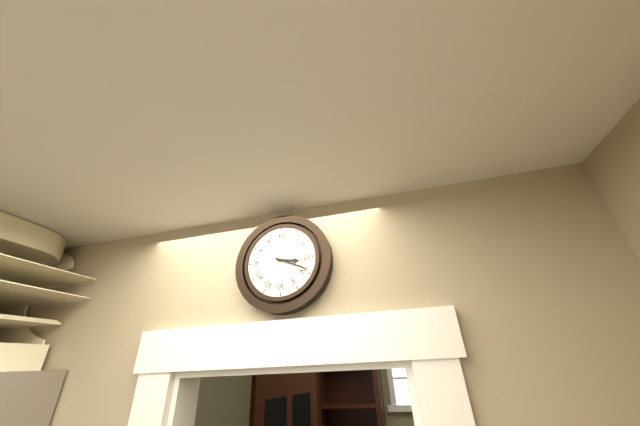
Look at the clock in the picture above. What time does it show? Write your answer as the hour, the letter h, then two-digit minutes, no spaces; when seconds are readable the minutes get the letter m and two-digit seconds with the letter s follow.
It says 3h19
